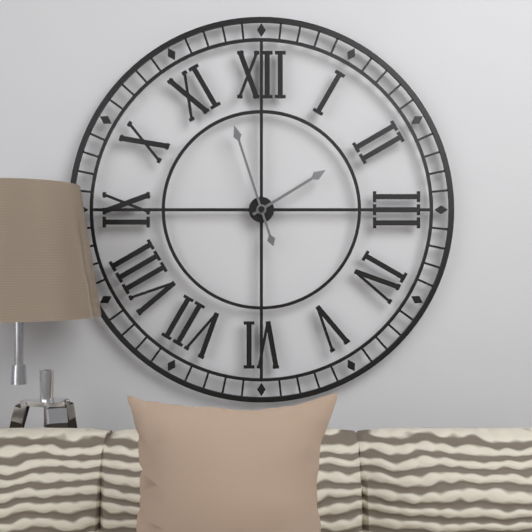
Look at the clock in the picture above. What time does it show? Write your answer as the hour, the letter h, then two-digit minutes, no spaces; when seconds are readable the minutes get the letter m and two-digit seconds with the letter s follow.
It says 1h57
